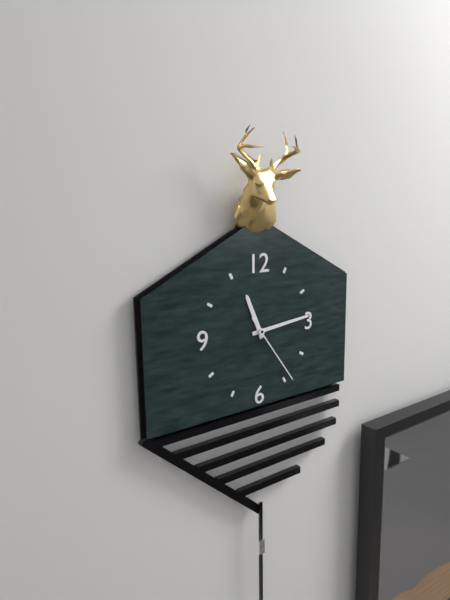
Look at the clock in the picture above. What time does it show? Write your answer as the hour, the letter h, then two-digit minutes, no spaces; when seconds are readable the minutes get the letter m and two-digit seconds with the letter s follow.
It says 11h14m24s
